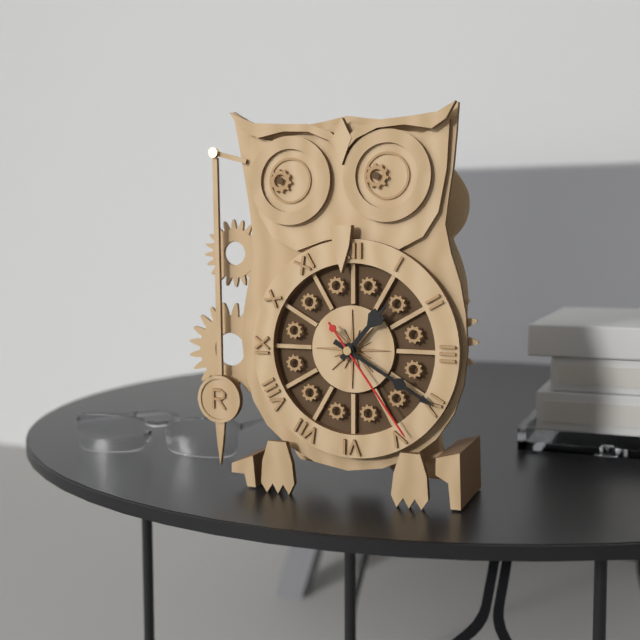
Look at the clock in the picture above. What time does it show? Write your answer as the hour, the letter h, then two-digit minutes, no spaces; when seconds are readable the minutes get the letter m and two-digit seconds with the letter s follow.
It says 1h20m24s
